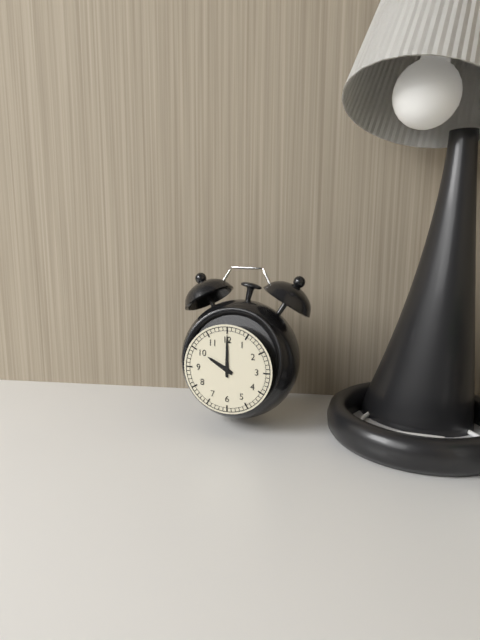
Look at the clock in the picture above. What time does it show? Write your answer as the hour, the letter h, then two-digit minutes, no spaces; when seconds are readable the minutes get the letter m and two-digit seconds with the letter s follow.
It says 10h00
